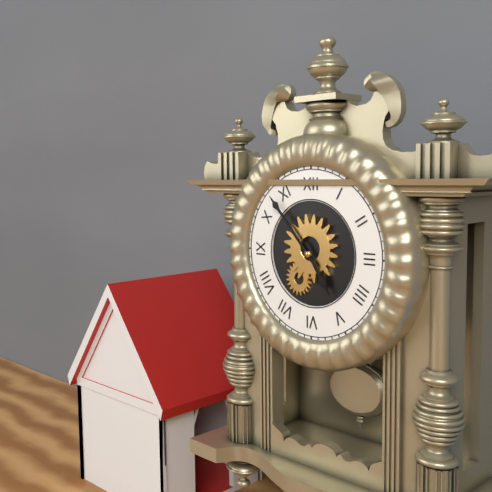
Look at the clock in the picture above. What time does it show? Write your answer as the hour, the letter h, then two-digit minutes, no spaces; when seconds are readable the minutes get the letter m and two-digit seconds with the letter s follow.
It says 4h53
